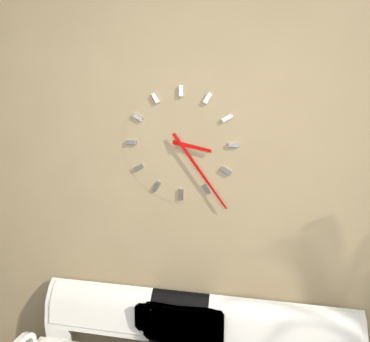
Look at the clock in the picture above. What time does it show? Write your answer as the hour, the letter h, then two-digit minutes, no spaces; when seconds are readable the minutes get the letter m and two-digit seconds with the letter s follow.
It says 3h24
